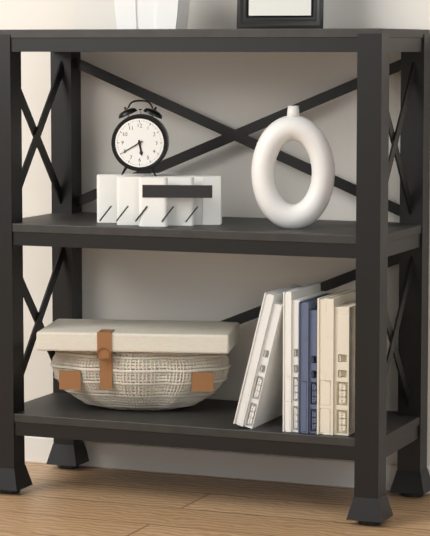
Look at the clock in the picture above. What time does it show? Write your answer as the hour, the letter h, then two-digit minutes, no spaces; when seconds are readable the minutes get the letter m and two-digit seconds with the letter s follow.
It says 5h40
